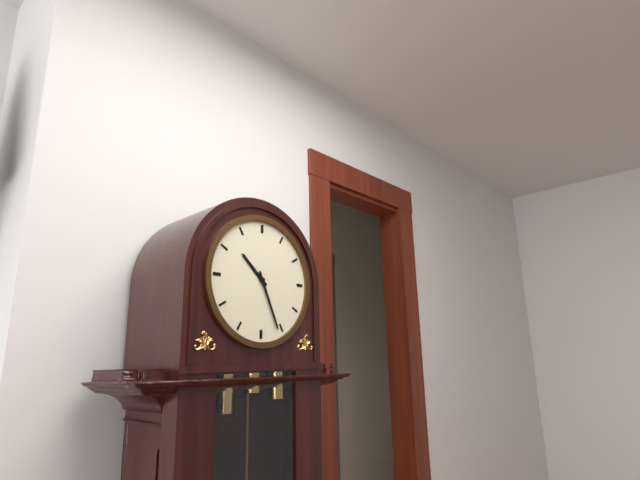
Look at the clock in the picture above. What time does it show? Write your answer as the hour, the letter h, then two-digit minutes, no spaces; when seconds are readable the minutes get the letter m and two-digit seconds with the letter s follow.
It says 10h26
